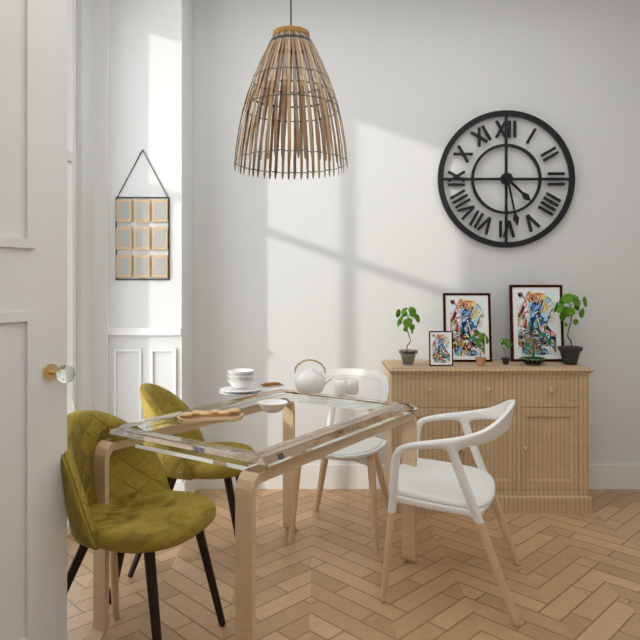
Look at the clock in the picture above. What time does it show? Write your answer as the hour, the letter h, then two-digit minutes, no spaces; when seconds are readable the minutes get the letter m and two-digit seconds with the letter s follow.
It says 4h28
